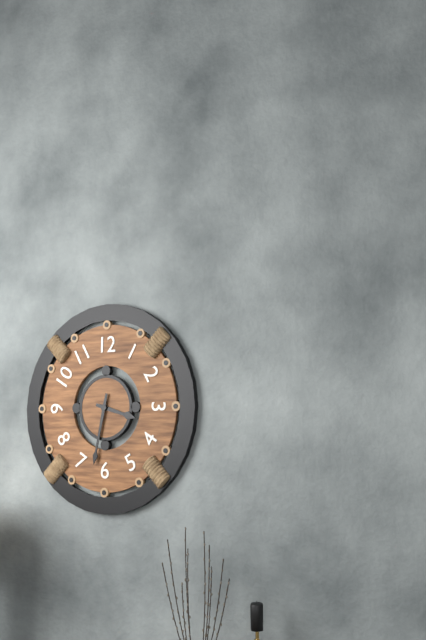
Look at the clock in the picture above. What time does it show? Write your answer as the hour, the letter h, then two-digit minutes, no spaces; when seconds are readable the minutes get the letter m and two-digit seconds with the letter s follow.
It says 3h32
